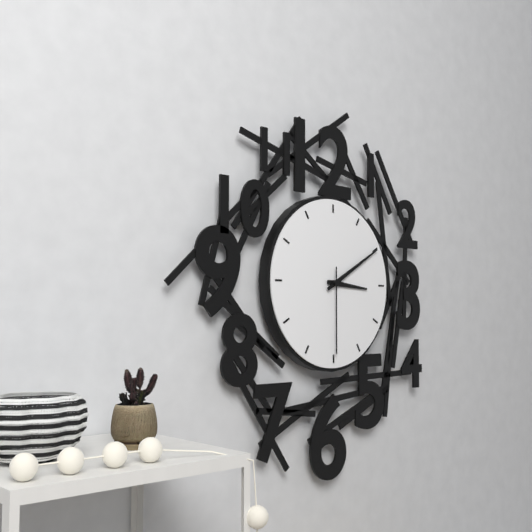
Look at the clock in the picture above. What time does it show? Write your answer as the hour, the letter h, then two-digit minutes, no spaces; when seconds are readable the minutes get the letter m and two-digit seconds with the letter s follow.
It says 3h10m30s
